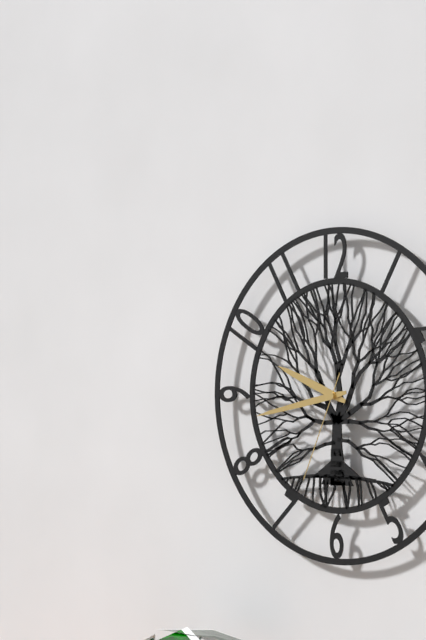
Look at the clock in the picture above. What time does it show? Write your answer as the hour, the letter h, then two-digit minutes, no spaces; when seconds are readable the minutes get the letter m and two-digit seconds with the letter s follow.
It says 9h43m34s
